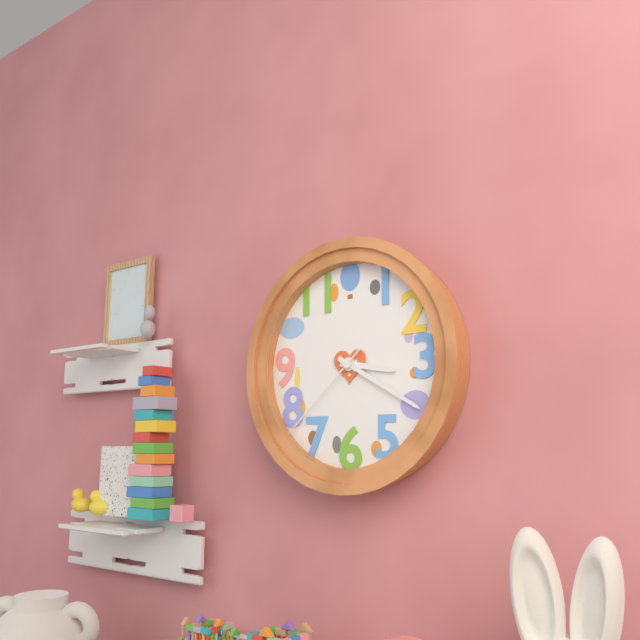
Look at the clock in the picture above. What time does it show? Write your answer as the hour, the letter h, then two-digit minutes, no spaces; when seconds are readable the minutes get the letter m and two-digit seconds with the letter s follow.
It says 3h20m38s
